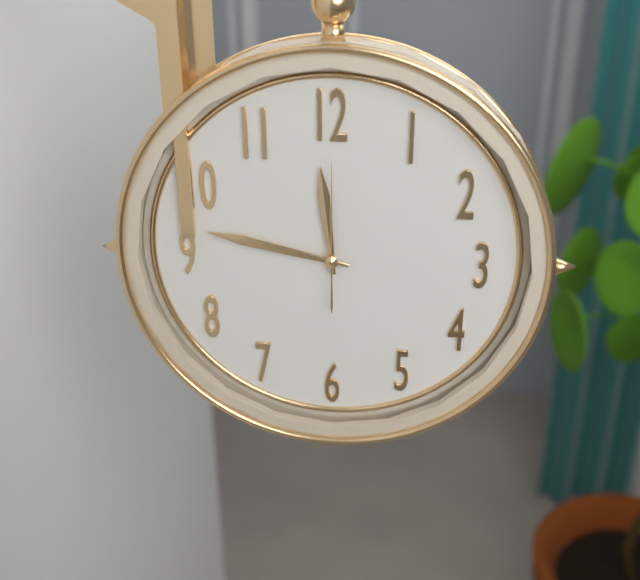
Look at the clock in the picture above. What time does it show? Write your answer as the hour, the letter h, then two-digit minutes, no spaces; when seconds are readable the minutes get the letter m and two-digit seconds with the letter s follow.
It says 11h47m00s
